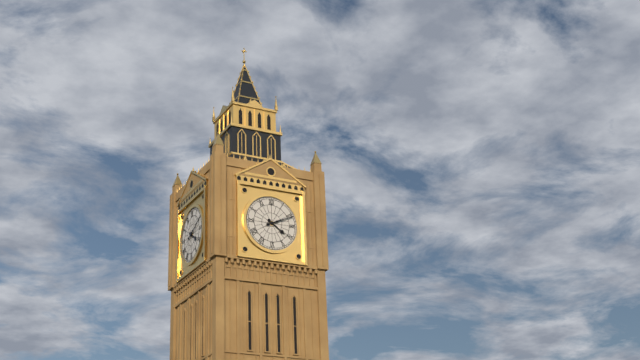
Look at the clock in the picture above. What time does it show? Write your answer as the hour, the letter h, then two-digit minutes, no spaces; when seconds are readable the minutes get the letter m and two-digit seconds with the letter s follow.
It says 4h11
